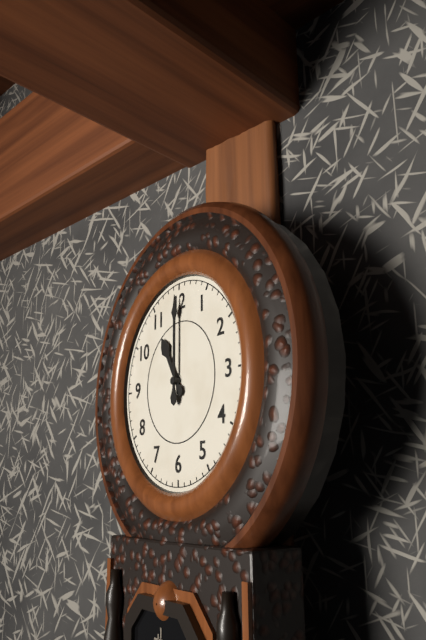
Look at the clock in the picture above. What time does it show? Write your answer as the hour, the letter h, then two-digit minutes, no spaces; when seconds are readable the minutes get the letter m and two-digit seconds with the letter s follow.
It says 11h00
